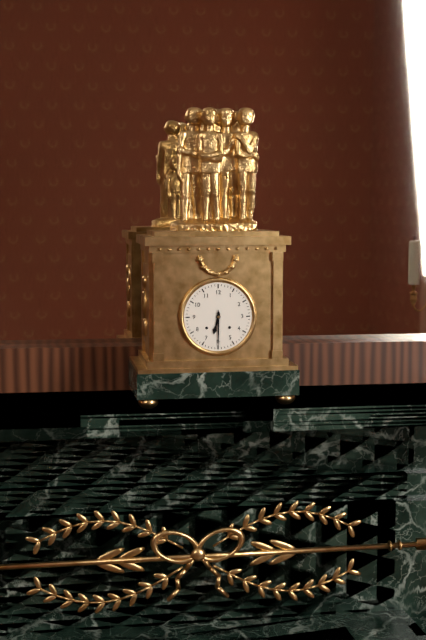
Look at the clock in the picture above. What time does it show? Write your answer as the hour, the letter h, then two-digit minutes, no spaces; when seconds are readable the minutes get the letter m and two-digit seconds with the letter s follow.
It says 6h30
